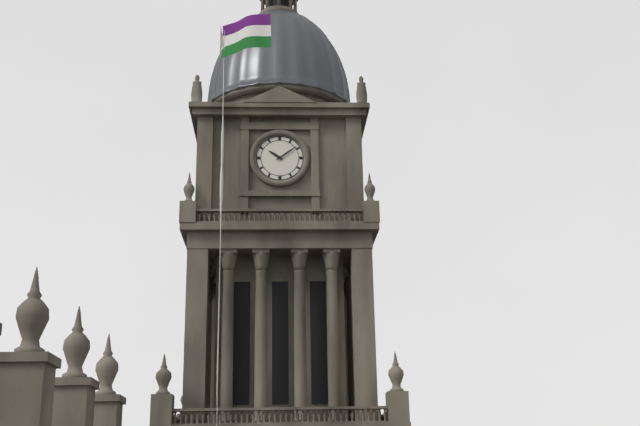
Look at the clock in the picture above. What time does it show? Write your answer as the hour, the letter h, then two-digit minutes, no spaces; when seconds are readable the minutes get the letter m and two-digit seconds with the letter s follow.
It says 10h09
